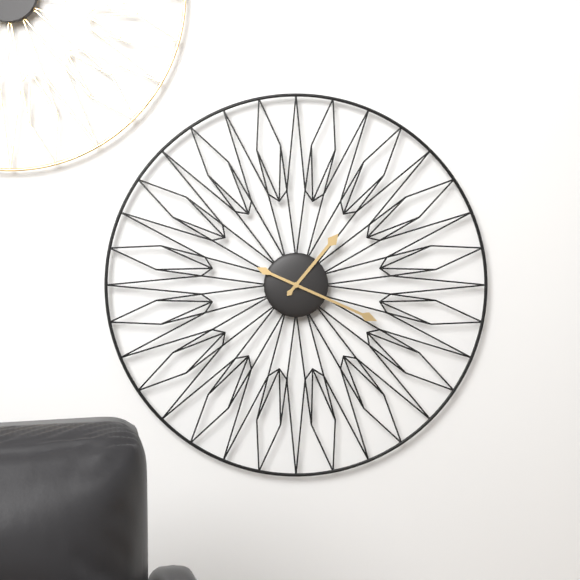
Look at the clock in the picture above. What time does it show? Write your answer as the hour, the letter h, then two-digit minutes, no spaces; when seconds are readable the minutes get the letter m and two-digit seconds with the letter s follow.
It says 1h19
